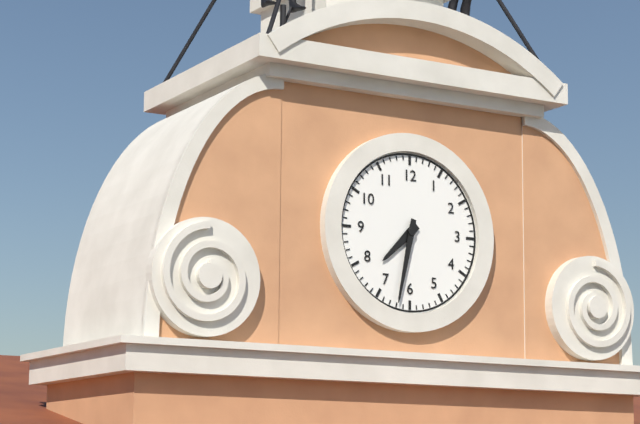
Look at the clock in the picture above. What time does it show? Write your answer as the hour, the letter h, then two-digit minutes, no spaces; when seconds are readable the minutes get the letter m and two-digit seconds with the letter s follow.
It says 7h32
